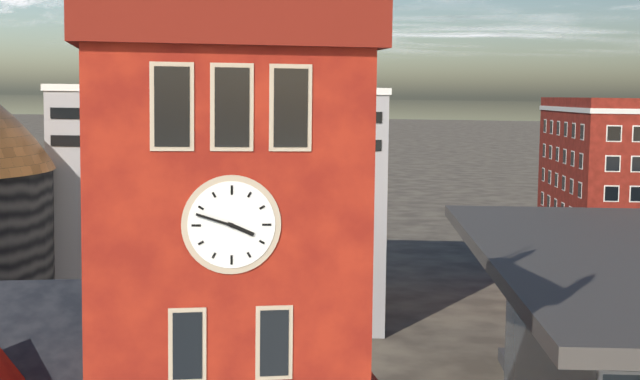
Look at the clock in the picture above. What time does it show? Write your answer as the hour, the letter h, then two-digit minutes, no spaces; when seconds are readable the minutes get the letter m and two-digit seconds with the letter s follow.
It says 3h48
